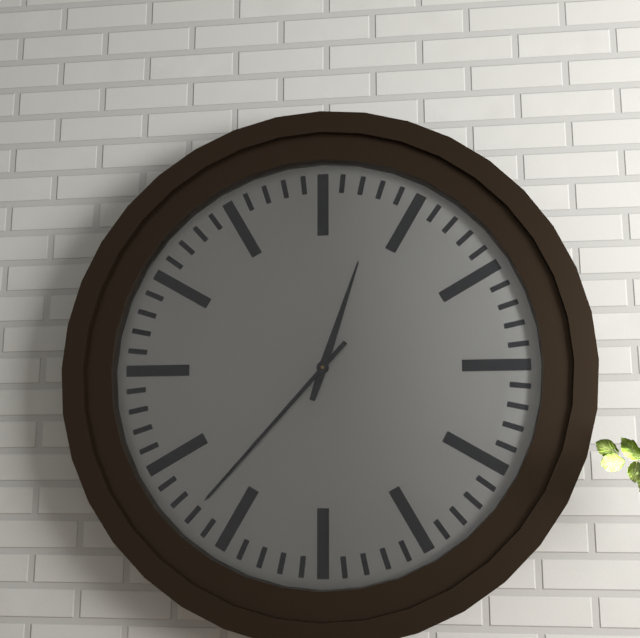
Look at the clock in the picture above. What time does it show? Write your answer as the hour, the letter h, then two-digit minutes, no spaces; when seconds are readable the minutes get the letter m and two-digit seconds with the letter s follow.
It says 12h37
